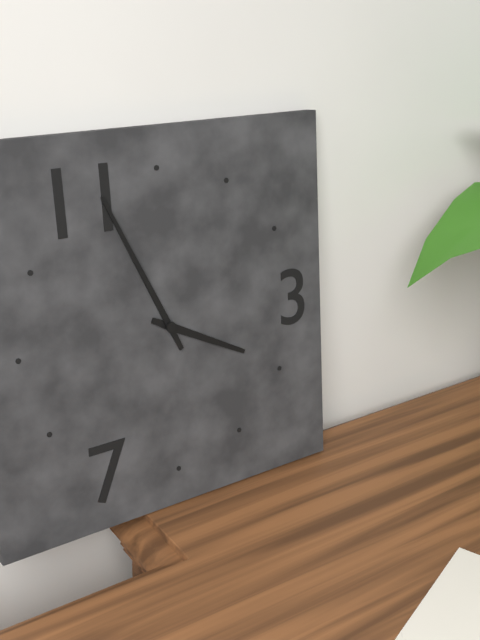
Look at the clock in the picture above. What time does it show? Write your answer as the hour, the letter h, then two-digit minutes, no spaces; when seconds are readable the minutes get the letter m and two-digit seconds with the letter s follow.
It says 3h56
